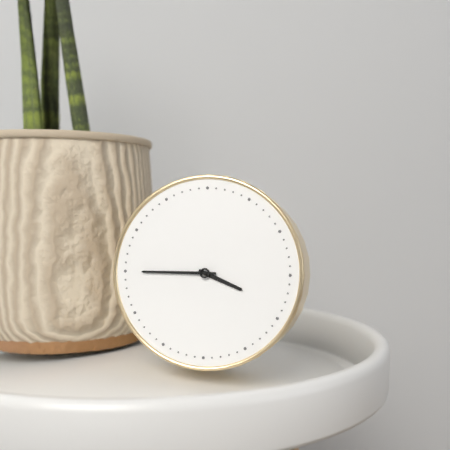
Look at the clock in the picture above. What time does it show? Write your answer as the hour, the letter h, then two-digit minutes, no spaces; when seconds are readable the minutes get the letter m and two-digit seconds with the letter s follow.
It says 3h45
